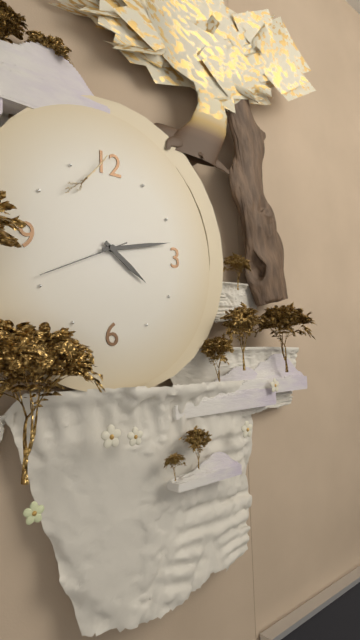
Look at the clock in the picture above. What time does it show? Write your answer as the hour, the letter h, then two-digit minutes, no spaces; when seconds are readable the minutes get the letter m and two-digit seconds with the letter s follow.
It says 4h13m41s
